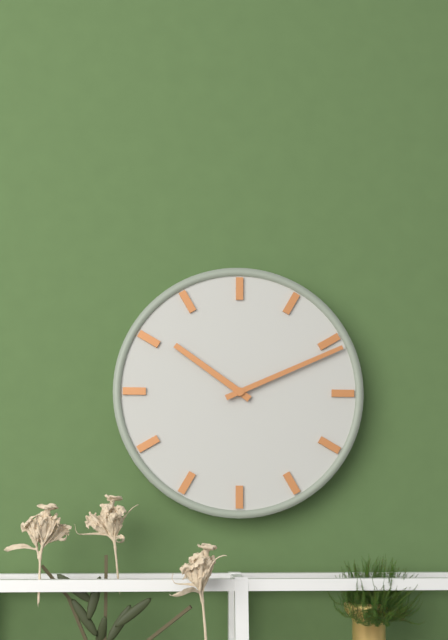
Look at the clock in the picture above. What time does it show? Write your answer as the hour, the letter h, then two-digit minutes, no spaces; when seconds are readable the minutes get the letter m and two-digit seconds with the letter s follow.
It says 10h11
